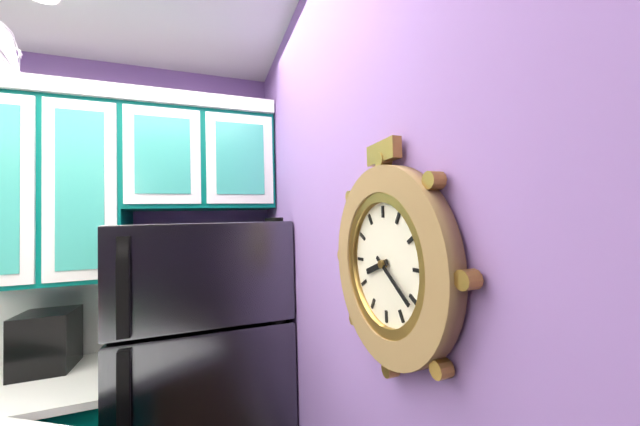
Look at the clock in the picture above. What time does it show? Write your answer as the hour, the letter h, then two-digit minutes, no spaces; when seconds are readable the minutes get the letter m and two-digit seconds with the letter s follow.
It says 8h21
